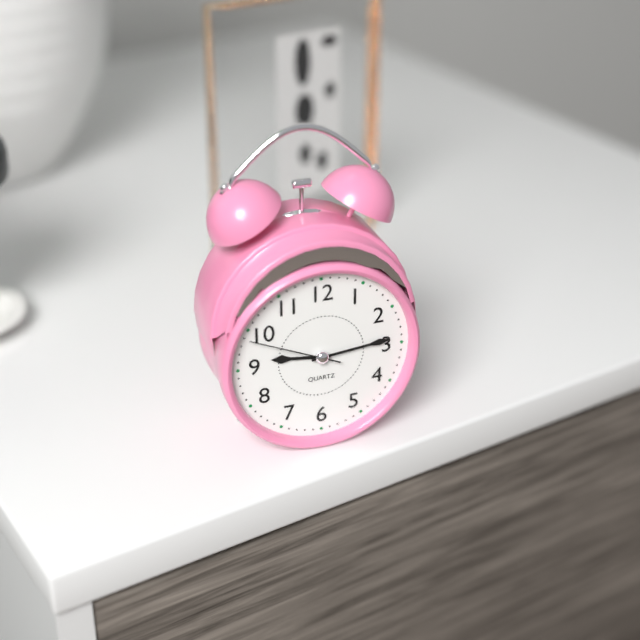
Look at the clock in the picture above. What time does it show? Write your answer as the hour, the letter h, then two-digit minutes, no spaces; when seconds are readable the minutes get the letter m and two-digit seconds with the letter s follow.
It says 9h14m49s
